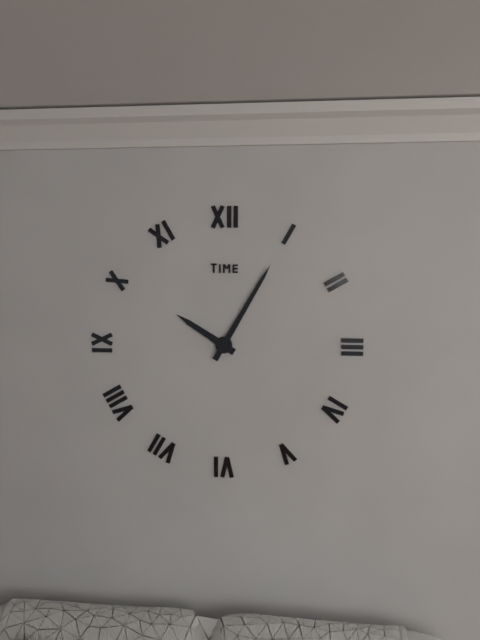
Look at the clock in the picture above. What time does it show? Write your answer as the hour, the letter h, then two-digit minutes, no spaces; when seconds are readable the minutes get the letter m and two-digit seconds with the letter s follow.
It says 10h05
